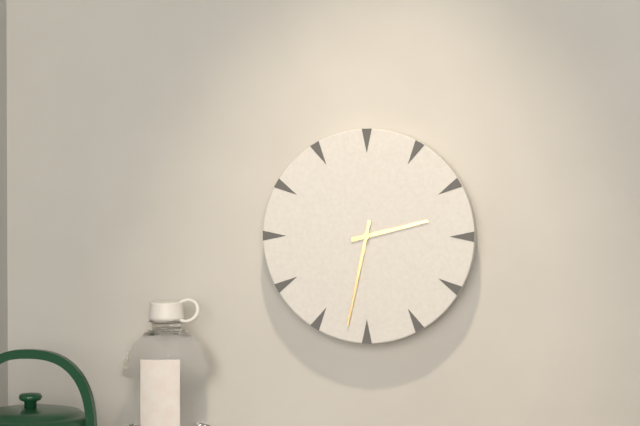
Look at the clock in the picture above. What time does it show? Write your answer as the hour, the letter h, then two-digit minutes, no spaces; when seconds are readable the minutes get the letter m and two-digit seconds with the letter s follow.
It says 2h32
